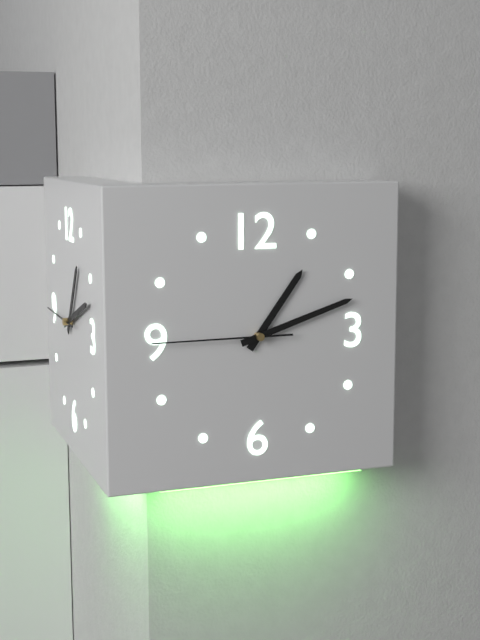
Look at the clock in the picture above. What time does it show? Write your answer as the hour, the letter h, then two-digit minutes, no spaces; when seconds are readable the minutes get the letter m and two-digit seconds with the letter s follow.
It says 1h12m45s
